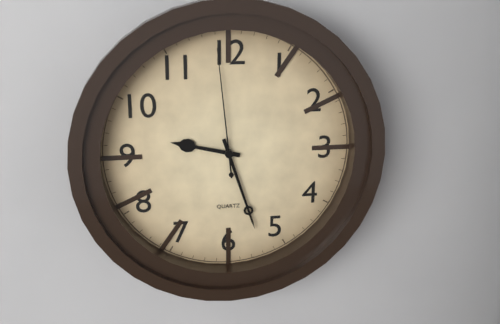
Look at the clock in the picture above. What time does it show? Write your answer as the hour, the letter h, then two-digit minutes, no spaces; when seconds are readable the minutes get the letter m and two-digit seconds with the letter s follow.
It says 9h27m59s
